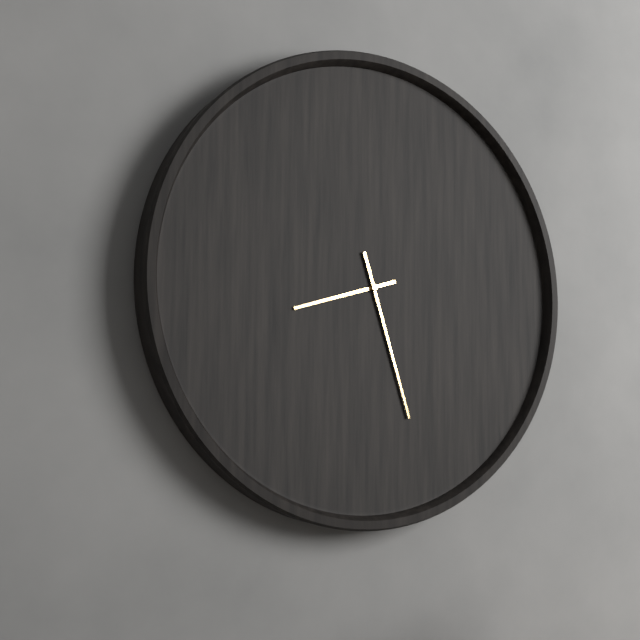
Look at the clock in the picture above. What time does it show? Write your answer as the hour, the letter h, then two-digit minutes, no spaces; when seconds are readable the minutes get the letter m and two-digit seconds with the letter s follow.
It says 8h27
